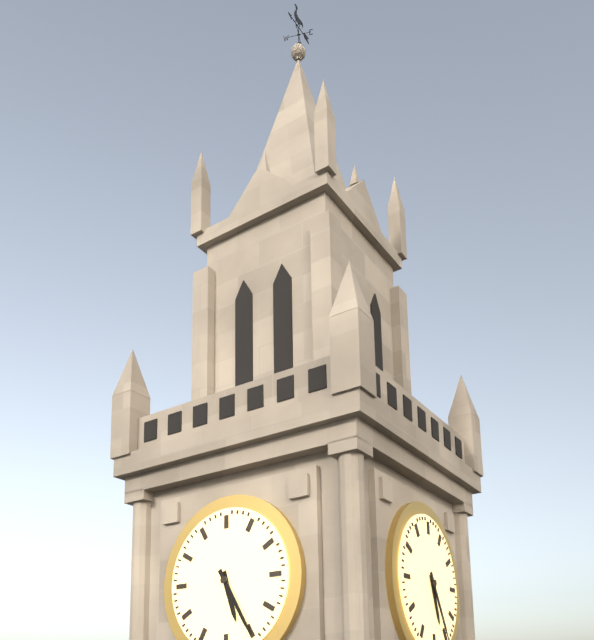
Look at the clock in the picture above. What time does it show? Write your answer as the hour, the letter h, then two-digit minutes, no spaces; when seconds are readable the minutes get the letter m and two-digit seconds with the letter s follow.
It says 5h25
